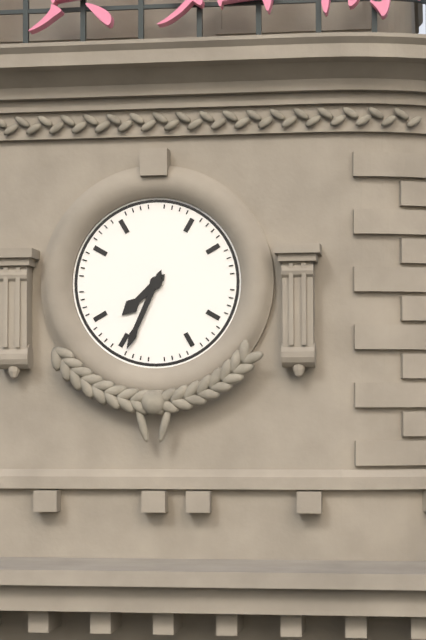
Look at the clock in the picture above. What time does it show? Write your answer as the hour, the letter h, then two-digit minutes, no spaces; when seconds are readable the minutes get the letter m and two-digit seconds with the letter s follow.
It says 7h34
